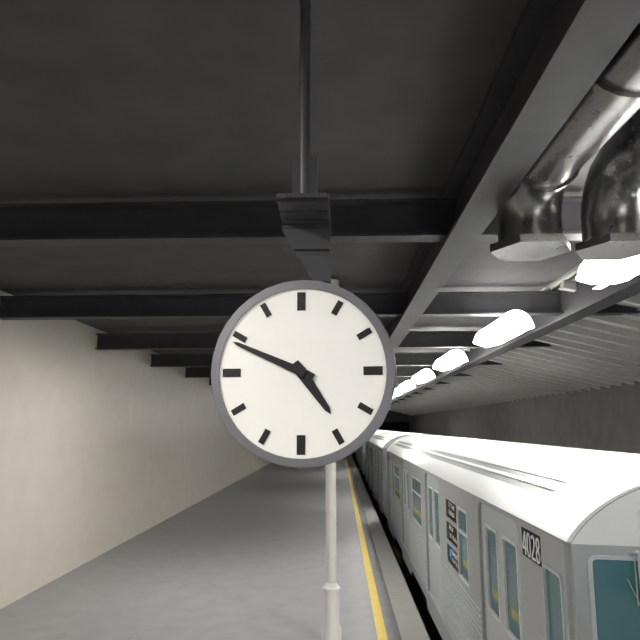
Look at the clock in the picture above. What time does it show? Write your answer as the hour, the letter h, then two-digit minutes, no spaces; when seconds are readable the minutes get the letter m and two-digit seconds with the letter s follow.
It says 4h49
